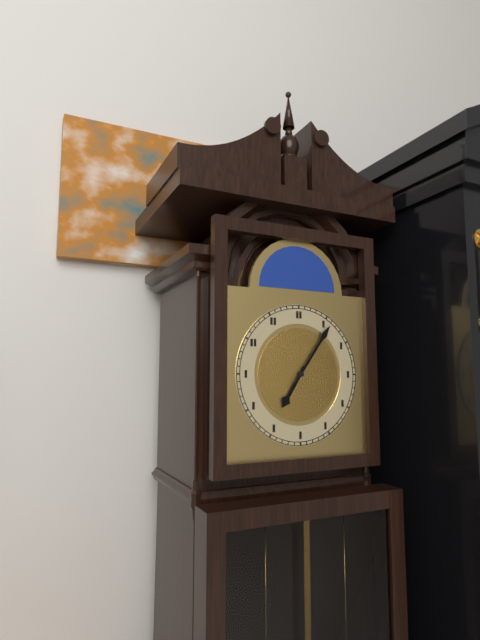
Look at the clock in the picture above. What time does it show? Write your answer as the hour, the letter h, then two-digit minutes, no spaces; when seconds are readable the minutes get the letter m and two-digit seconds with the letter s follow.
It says 7h06
